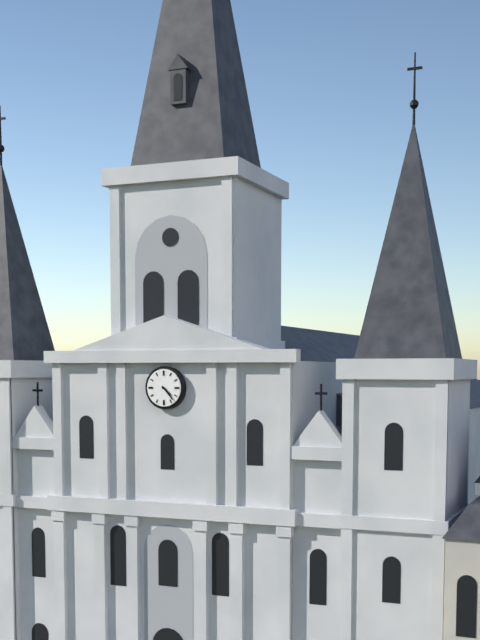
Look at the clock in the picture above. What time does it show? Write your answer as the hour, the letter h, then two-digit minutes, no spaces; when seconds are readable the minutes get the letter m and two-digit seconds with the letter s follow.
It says 4h23
